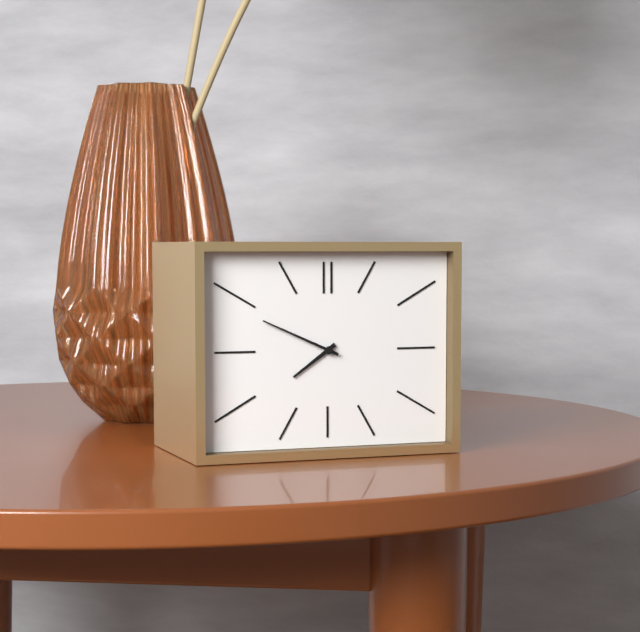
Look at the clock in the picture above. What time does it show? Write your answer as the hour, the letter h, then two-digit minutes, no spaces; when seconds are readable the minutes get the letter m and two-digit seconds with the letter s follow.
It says 7h49
